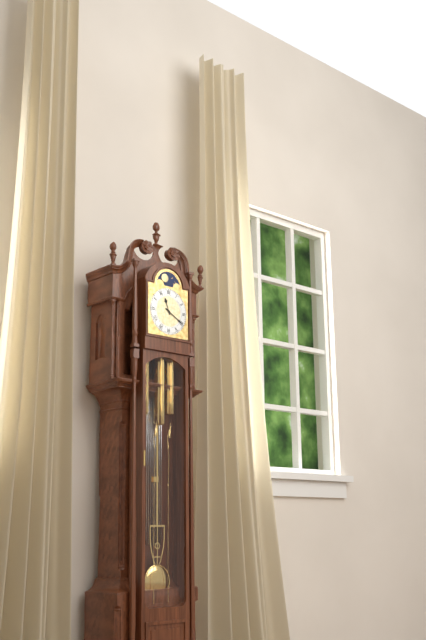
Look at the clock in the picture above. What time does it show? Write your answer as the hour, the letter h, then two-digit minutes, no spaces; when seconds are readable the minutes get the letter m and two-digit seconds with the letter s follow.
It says 11h20
